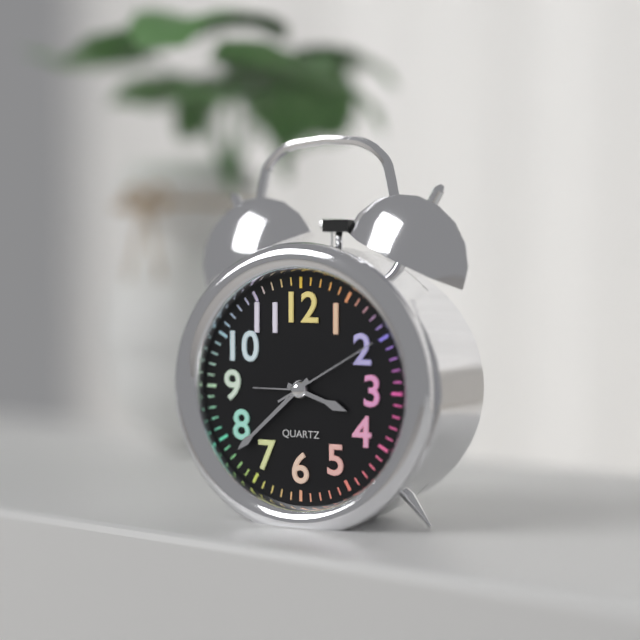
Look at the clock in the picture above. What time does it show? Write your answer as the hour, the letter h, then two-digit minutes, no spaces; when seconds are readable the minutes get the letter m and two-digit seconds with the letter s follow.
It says 3h38m10s
